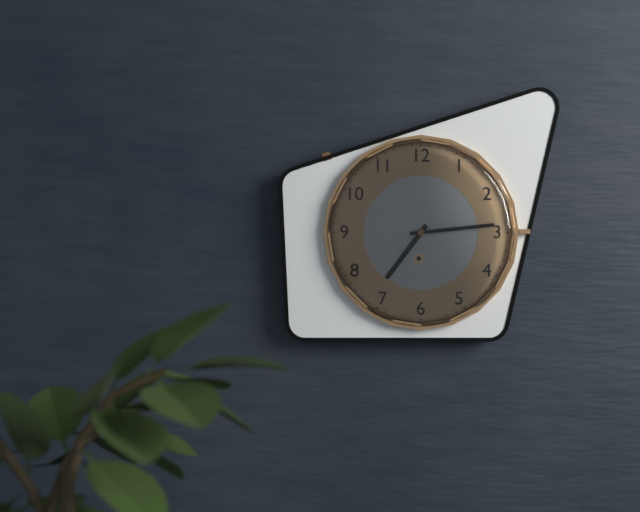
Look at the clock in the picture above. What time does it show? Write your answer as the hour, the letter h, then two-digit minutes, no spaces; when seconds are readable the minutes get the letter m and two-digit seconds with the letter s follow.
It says 7h14
